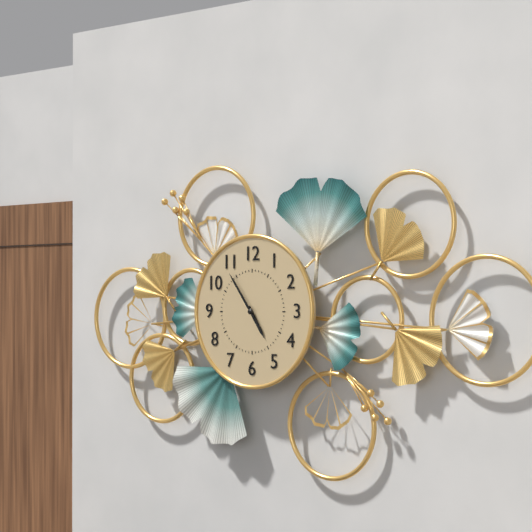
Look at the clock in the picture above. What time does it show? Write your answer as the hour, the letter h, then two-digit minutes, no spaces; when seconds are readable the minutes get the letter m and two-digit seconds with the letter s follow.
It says 4h54
